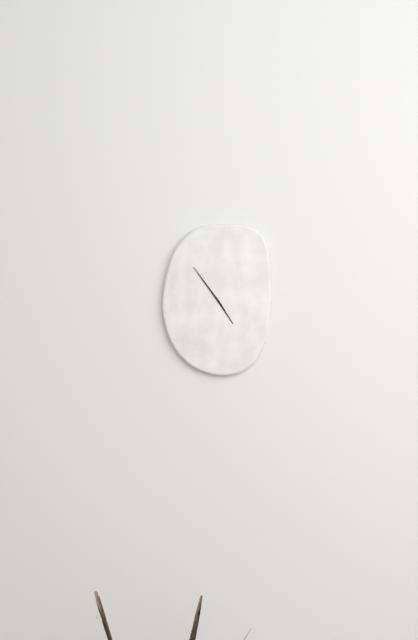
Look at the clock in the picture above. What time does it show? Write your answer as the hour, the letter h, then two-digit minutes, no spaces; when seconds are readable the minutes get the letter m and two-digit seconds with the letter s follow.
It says 4h54
